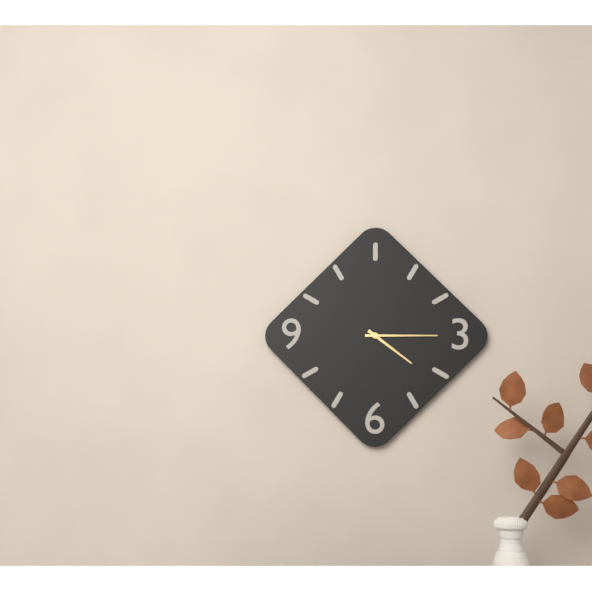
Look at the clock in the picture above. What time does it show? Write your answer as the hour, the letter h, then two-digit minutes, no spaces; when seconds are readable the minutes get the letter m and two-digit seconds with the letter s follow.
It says 4h15
